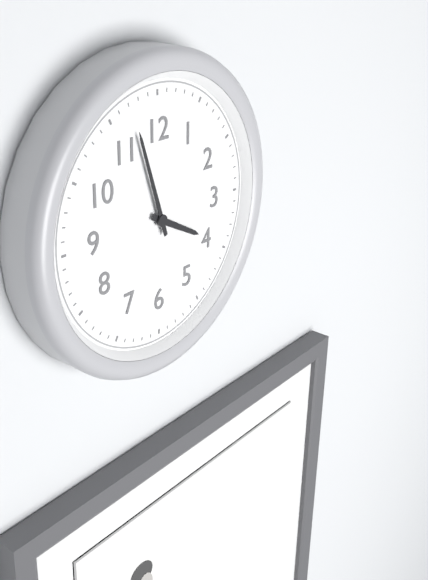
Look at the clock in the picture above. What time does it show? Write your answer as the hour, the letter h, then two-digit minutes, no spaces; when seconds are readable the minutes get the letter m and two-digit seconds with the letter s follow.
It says 3h57
